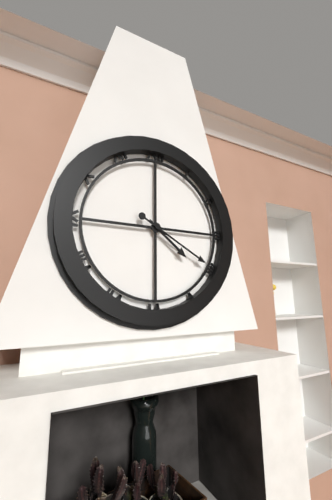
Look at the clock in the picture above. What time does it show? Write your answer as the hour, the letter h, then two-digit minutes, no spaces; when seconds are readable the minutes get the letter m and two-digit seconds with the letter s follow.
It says 4h20
